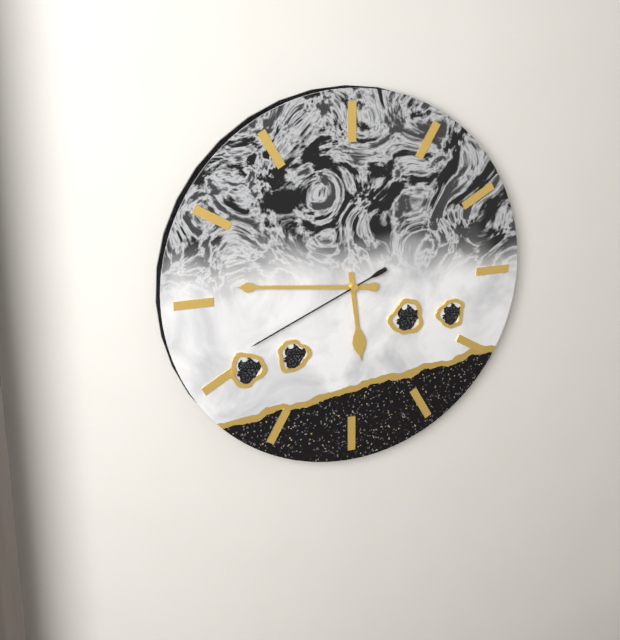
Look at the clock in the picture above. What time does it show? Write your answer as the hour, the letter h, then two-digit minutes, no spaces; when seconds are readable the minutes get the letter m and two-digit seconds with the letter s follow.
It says 5h46m41s
